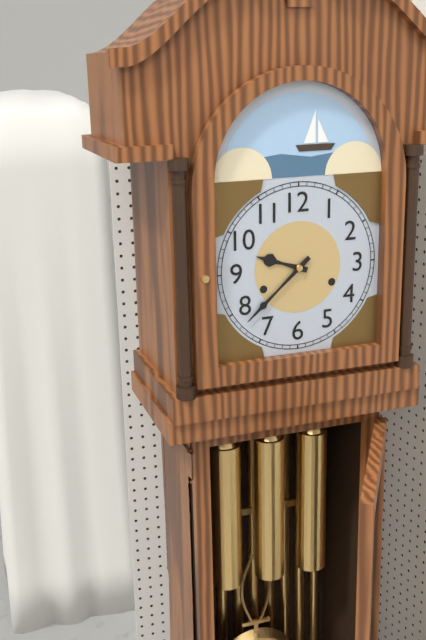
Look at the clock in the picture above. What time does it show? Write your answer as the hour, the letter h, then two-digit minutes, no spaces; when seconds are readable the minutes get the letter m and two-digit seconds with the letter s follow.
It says 9h38
